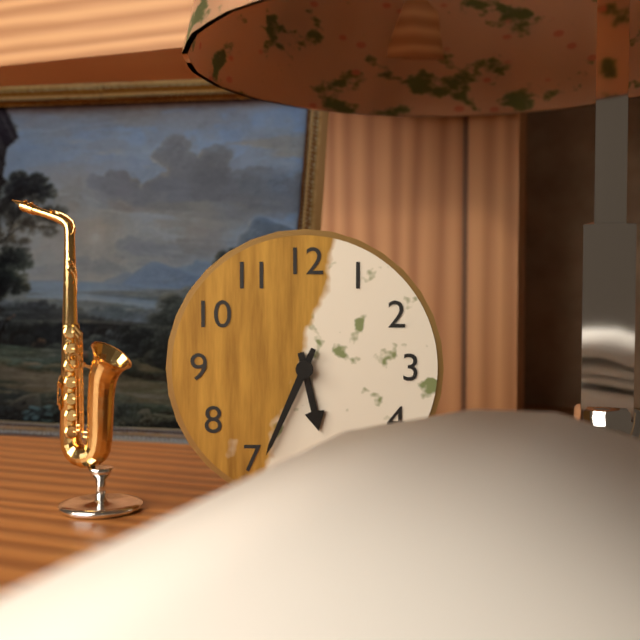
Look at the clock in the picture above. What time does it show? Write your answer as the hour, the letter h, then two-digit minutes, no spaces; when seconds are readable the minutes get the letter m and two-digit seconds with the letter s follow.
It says 5h34
